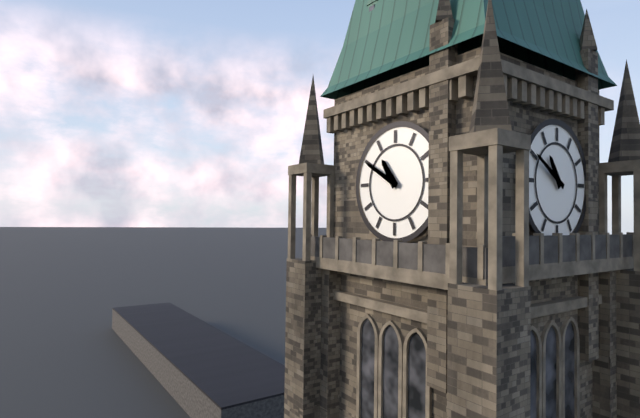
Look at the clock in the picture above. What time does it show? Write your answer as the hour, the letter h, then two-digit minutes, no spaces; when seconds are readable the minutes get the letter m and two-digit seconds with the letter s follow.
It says 10h50
